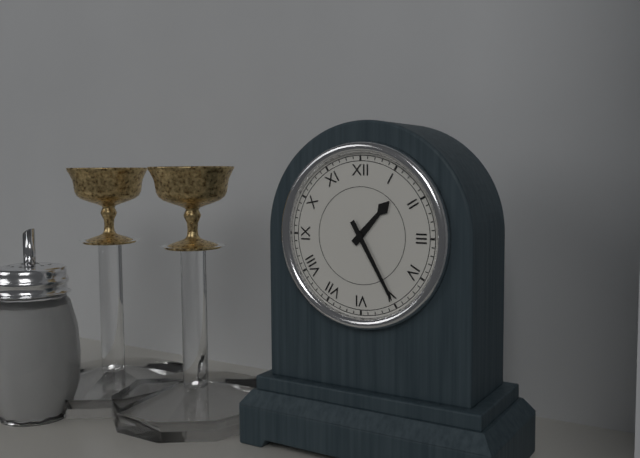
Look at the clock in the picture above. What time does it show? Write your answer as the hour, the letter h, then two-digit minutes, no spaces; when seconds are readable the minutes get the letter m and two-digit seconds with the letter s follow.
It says 1h25
